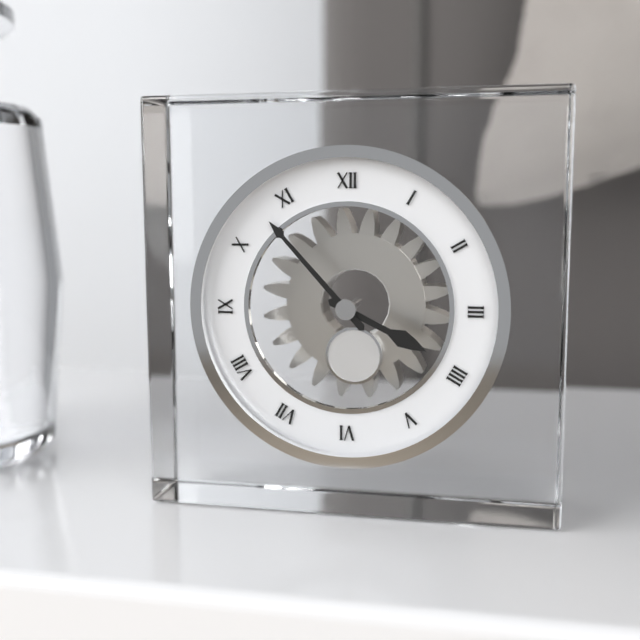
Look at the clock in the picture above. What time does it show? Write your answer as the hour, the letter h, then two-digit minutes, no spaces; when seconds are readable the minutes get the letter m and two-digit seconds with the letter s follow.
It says 3h53
